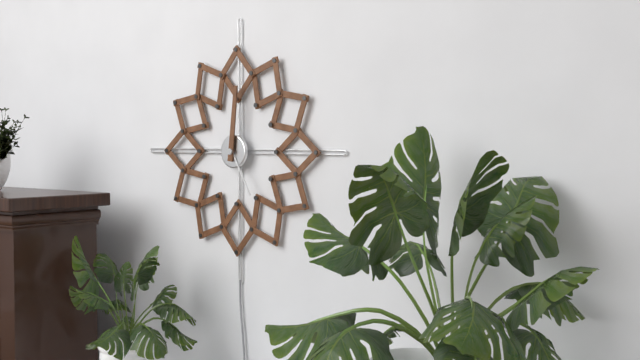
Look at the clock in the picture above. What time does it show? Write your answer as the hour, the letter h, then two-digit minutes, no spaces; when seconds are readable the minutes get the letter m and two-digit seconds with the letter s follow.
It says 5h01
